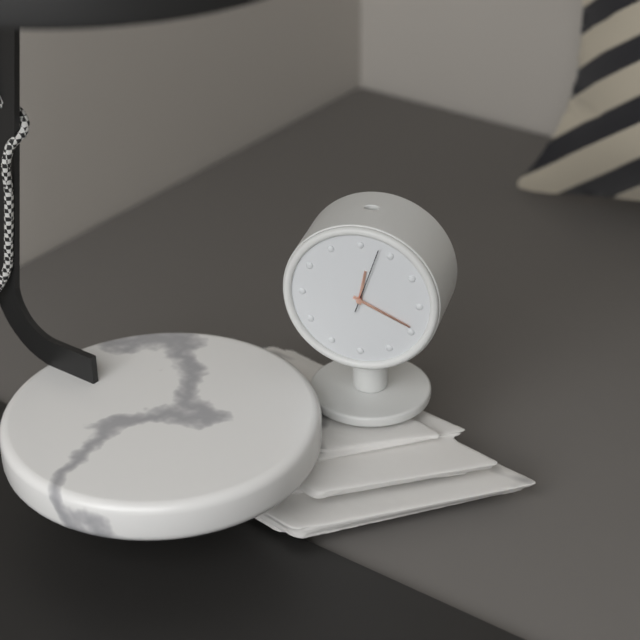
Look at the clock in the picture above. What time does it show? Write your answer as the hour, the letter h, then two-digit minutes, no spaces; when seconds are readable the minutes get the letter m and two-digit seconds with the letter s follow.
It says 12h19m03s
